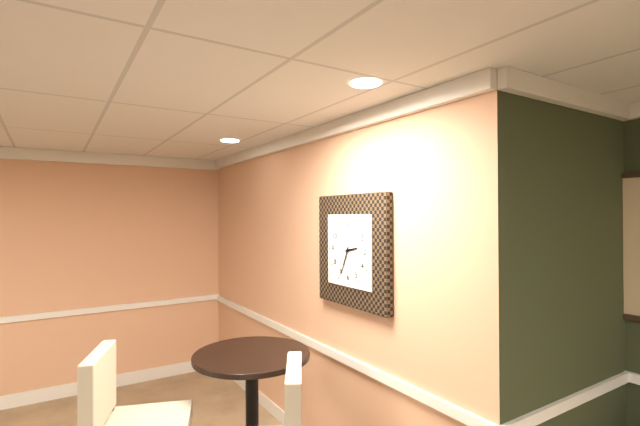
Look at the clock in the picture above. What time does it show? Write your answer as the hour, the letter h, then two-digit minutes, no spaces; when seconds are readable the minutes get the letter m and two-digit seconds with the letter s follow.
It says 2h34
